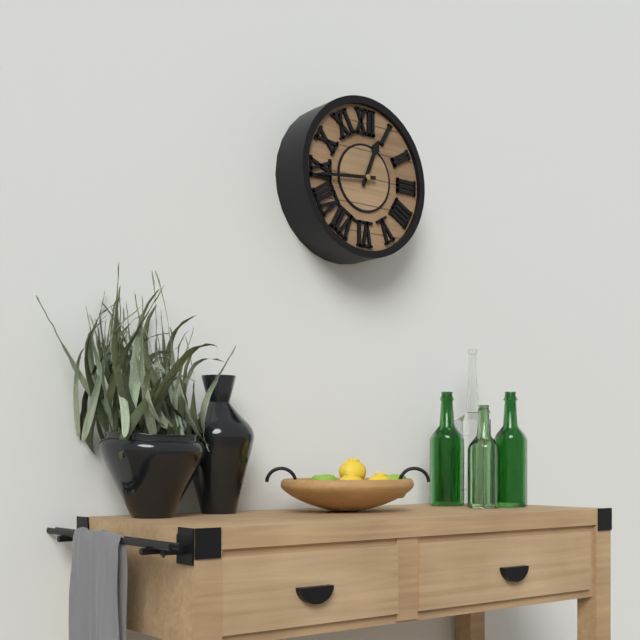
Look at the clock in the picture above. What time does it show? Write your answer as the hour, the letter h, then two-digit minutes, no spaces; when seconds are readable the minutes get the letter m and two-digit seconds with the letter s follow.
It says 12h44
